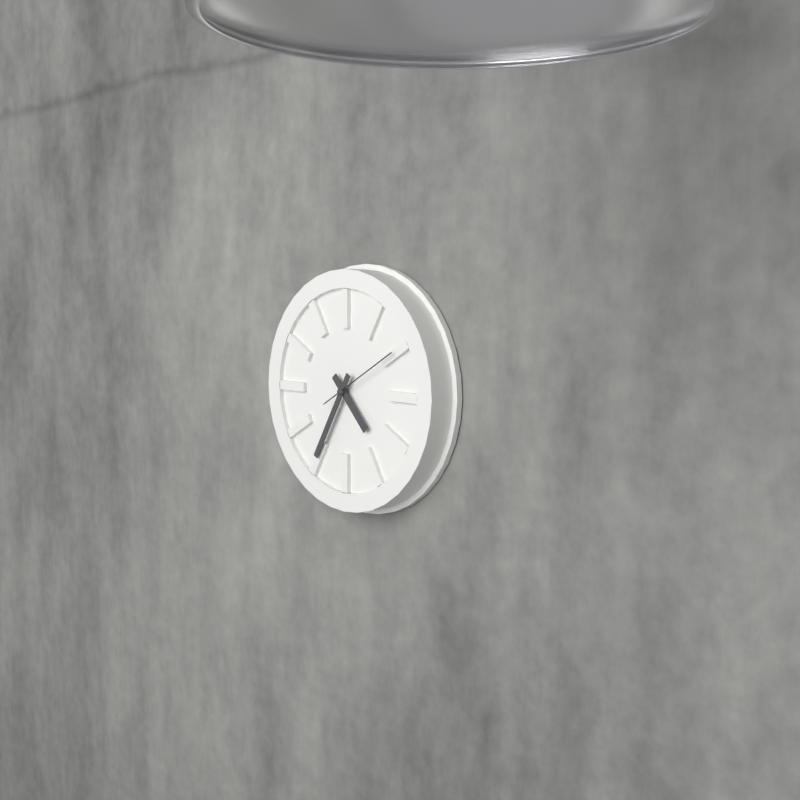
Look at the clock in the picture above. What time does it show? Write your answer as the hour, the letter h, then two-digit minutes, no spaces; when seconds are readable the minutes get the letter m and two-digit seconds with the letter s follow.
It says 4h35m10s
